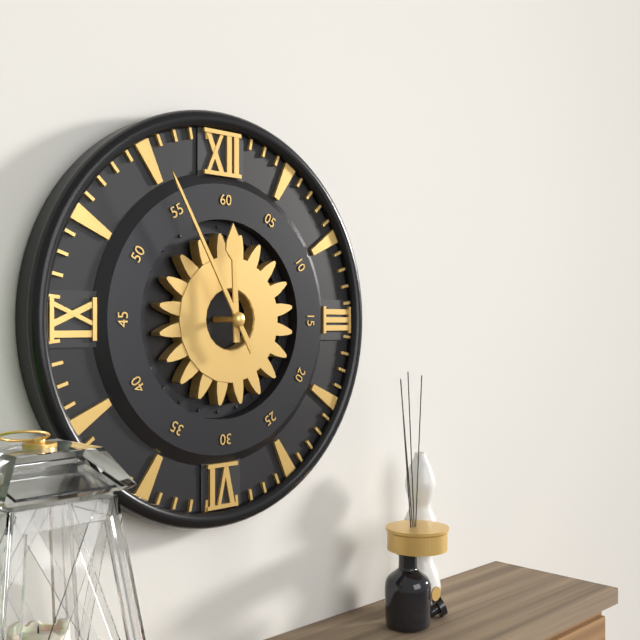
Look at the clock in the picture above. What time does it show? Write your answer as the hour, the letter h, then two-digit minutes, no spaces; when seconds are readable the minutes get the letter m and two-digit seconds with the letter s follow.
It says 11h55
